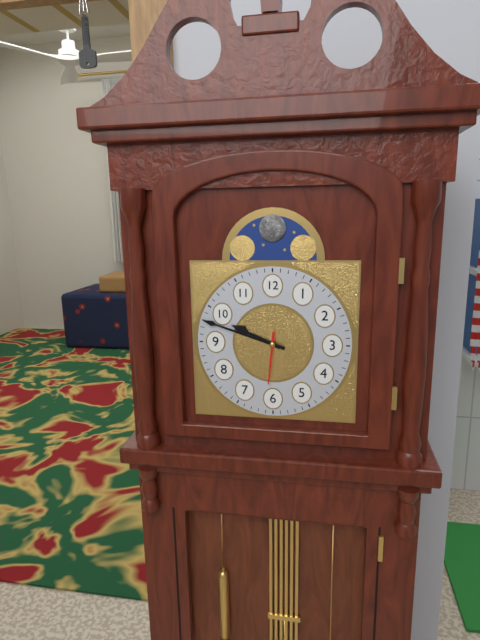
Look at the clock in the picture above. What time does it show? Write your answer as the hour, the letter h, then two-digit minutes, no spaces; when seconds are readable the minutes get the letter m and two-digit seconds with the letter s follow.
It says 9h48m31s
